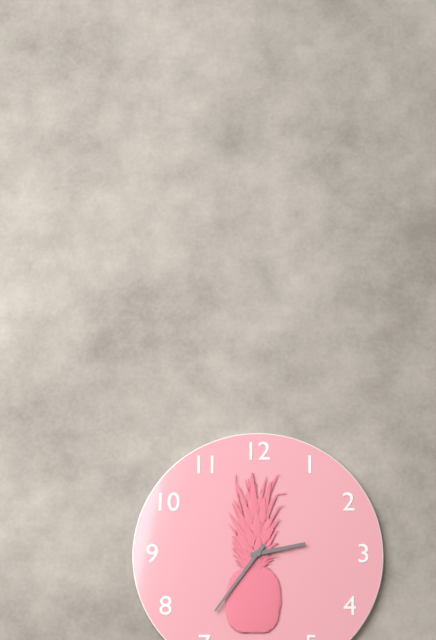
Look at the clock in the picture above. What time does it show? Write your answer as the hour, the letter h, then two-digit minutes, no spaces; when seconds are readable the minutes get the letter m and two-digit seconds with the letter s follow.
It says 2h36
